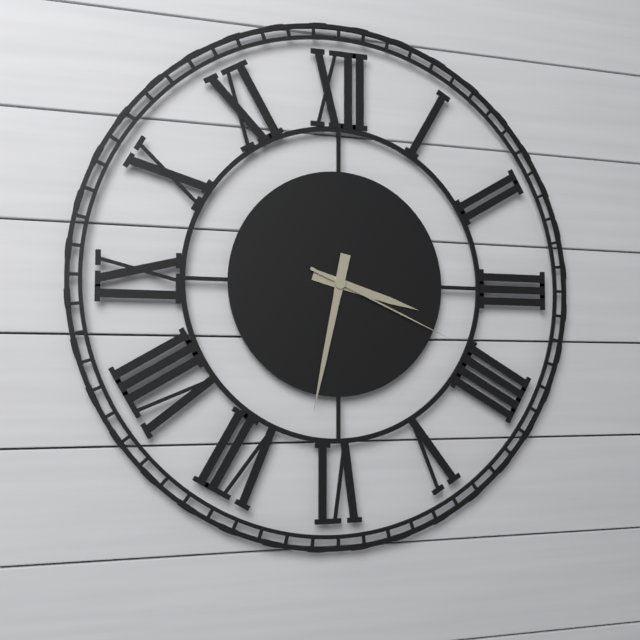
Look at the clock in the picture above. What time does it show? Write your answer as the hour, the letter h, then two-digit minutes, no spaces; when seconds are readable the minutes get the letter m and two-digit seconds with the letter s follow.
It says 3h32m19s
